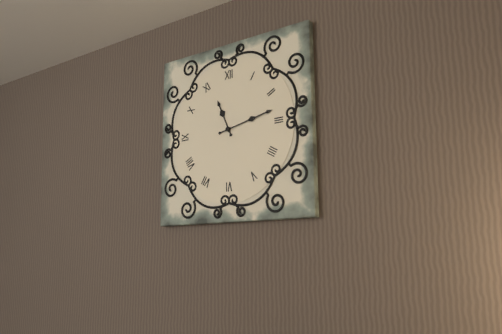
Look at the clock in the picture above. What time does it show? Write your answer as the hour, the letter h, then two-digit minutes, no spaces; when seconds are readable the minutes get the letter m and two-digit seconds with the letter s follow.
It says 11h13
